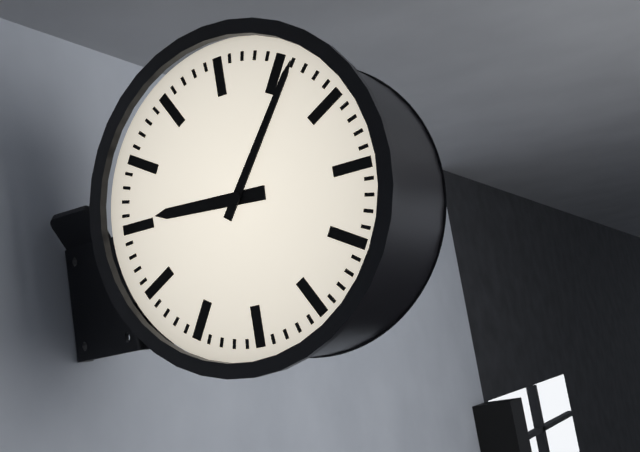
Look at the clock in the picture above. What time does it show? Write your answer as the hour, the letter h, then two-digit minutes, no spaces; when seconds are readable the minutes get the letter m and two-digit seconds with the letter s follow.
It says 9h06
